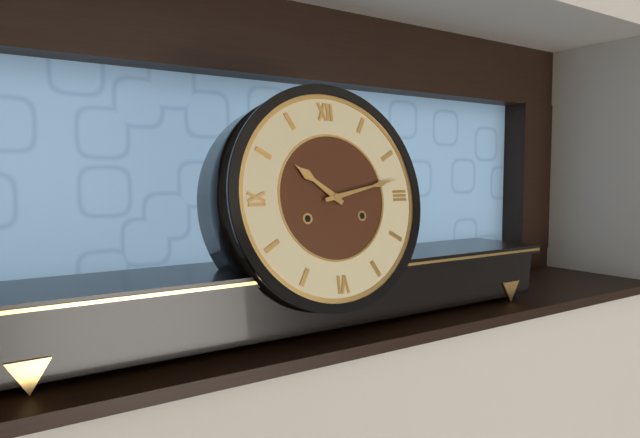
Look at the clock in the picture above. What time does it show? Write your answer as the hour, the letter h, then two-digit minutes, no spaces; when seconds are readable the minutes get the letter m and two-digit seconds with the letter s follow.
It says 10h13
